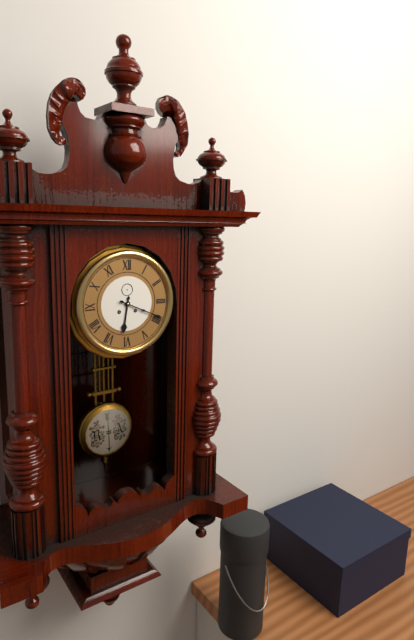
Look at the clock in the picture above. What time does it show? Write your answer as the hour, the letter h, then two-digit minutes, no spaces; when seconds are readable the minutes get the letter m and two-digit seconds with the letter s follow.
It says 6h19
